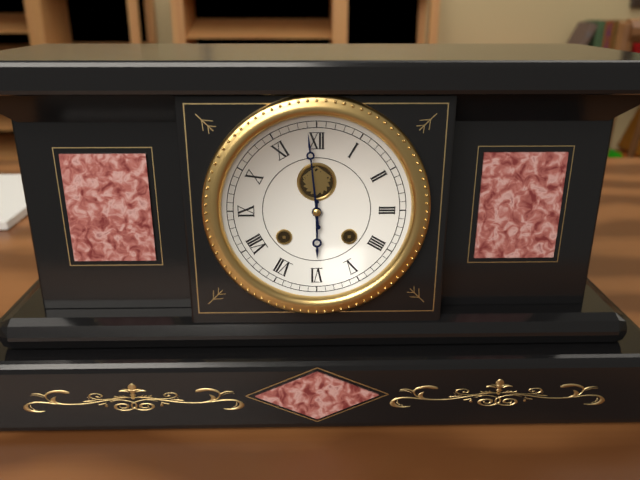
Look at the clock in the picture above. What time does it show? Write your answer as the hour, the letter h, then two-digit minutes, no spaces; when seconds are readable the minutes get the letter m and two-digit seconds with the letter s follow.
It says 5h59
